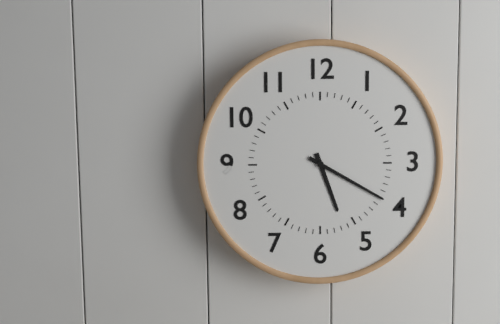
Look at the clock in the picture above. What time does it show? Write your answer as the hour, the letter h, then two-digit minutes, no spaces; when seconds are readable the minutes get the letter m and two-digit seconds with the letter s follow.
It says 5h20
